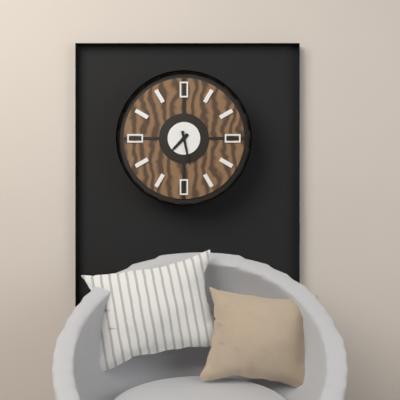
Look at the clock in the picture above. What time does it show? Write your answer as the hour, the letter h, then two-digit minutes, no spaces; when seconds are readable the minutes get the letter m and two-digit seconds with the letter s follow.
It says 7h28
